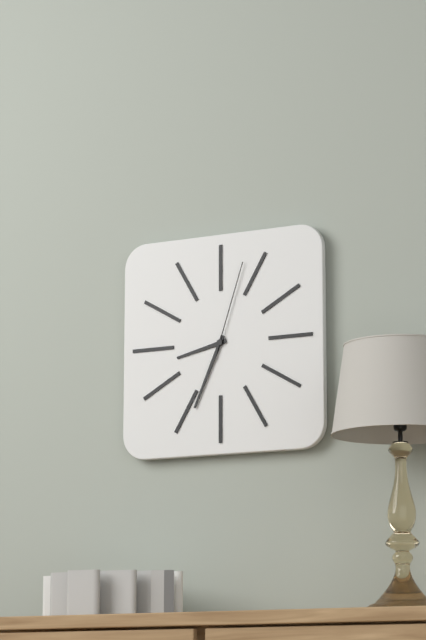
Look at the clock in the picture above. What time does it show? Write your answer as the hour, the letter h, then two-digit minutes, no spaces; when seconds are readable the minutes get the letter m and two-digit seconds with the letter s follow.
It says 8h34m03s
